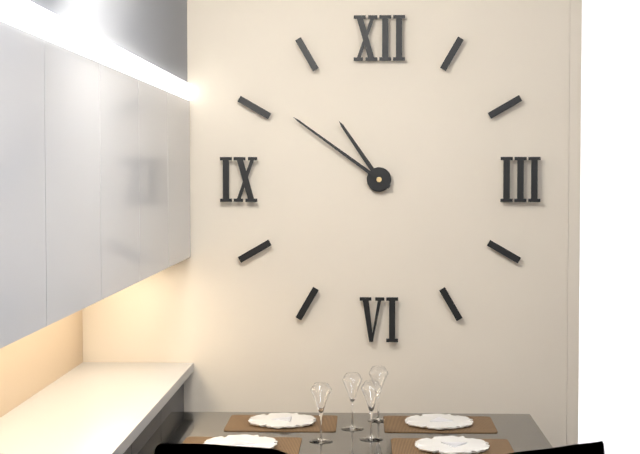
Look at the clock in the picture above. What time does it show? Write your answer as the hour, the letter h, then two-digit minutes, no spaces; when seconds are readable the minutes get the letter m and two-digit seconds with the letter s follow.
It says 10h51
